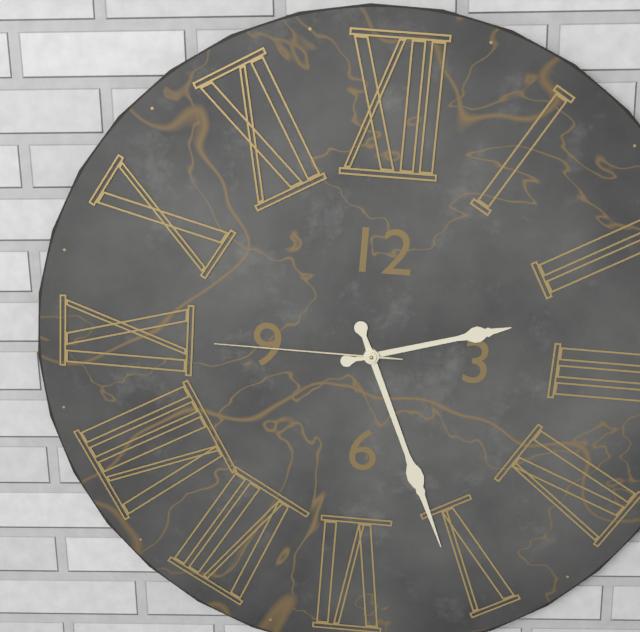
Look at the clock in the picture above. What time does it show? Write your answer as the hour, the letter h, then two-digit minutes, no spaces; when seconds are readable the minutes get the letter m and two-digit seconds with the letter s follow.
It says 2h26m45s
